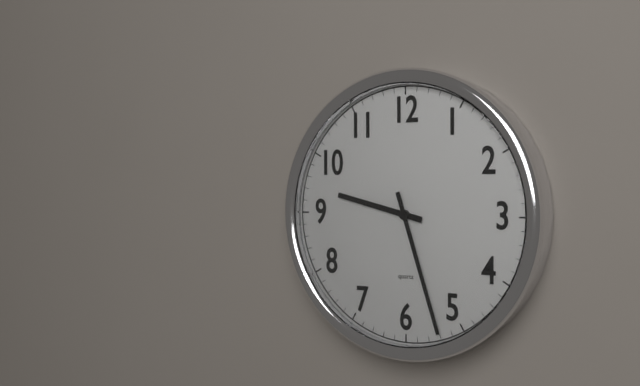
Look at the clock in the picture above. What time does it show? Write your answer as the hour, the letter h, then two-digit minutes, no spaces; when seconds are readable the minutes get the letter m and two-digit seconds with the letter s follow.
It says 9h27
